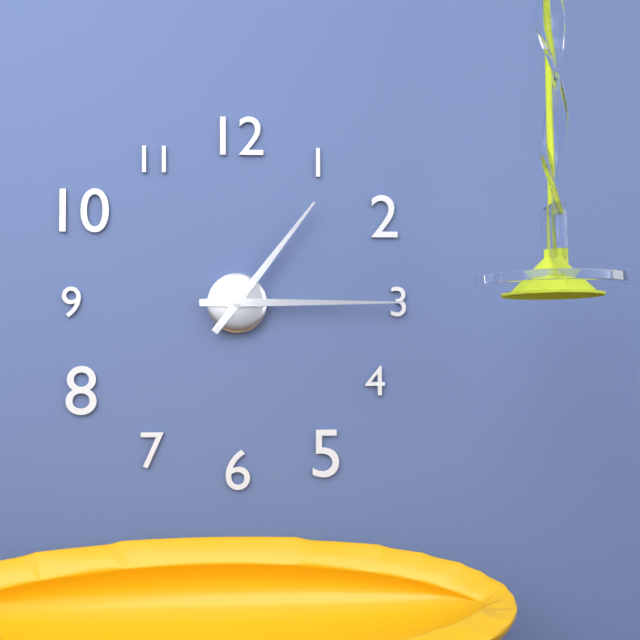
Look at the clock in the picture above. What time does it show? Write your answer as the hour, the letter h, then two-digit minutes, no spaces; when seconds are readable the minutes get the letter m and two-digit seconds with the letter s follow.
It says 1h15
